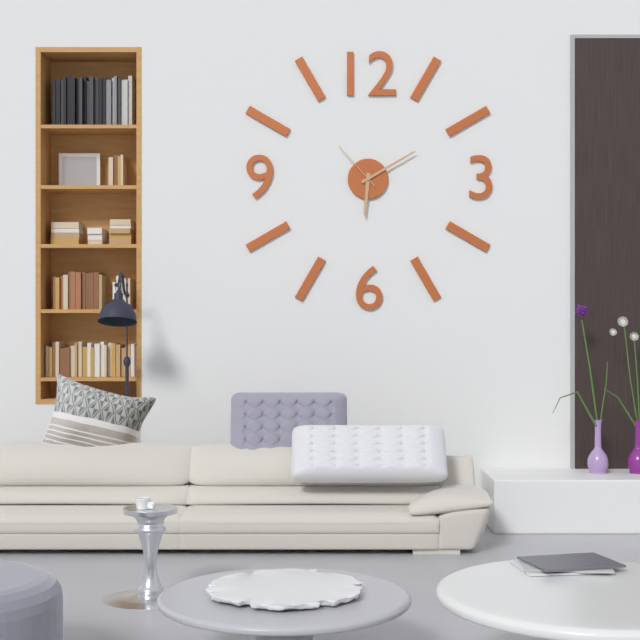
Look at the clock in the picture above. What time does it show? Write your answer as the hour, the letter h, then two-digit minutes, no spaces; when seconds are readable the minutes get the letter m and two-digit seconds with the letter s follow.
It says 6h10m53s
